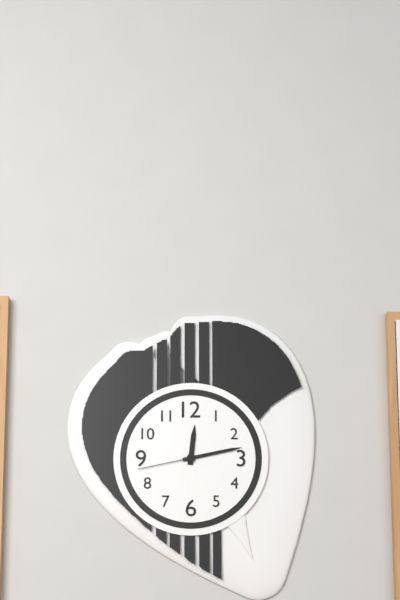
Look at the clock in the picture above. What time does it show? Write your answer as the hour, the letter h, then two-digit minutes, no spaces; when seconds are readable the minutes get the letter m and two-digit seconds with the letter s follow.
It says 12h13m43s
